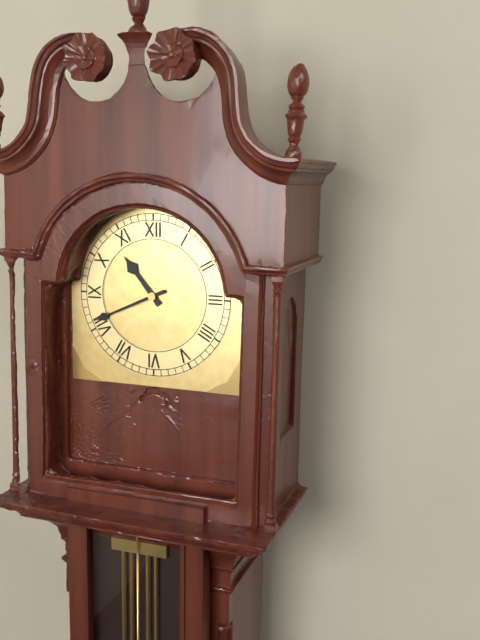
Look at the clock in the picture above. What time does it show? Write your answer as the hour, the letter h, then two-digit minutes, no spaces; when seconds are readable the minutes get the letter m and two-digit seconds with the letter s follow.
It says 10h41
